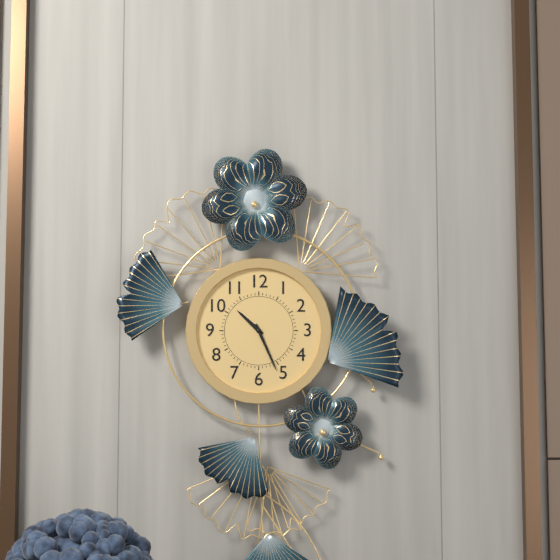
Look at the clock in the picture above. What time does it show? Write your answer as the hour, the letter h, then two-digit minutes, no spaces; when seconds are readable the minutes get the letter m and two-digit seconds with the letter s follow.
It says 10h26
